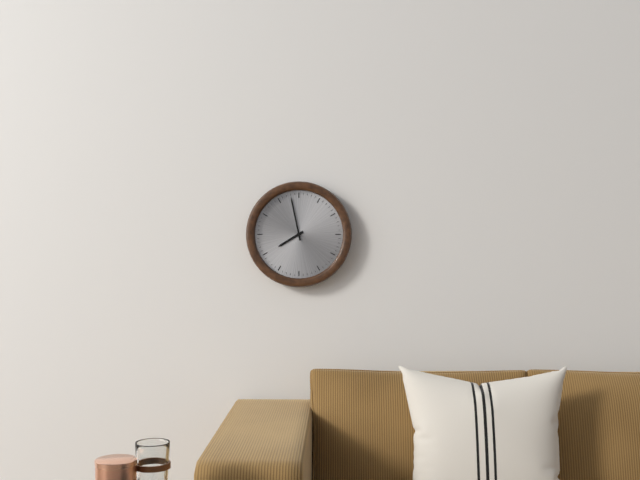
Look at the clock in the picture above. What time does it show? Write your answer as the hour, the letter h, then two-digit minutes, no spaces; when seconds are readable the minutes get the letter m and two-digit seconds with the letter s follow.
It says 7h58
